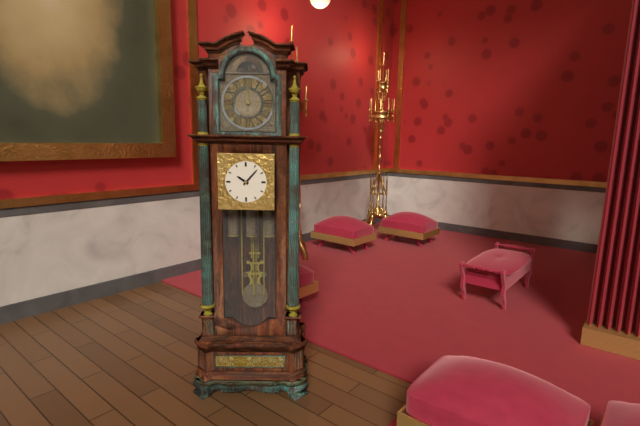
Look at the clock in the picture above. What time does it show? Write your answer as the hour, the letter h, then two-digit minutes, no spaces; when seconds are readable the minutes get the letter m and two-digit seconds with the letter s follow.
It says 10h07
